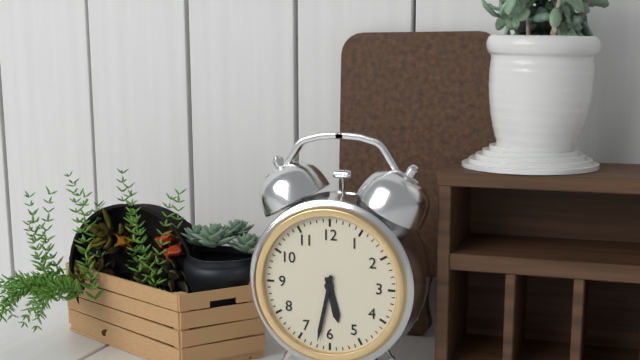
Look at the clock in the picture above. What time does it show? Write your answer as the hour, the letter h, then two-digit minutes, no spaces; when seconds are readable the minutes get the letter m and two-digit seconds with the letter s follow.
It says 5h32
